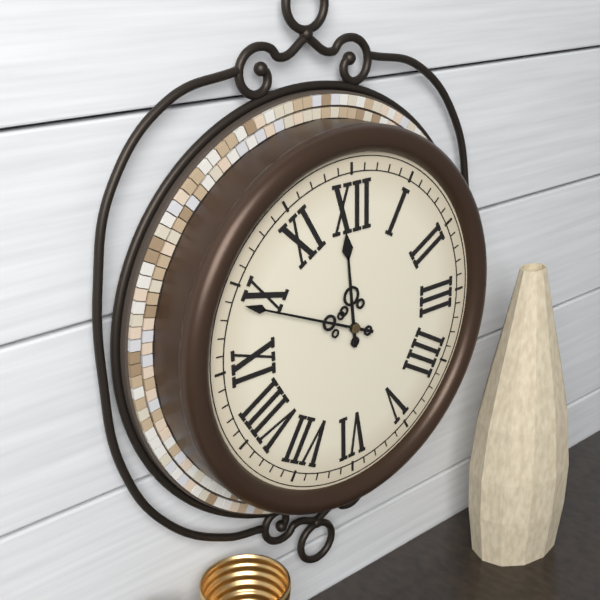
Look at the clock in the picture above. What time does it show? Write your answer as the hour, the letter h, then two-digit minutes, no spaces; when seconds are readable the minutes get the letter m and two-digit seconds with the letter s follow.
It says 11h49
